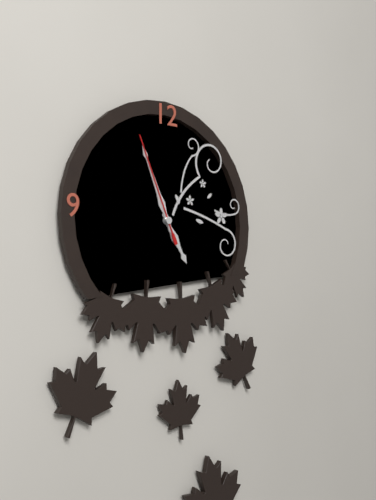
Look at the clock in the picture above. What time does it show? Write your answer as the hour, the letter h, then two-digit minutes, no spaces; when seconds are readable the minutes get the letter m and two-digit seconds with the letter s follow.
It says 4h56m56s
